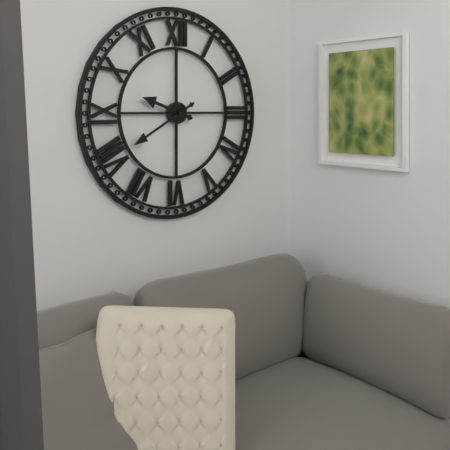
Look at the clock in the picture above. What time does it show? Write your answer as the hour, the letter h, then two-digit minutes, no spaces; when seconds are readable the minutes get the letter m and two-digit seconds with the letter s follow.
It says 9h40
